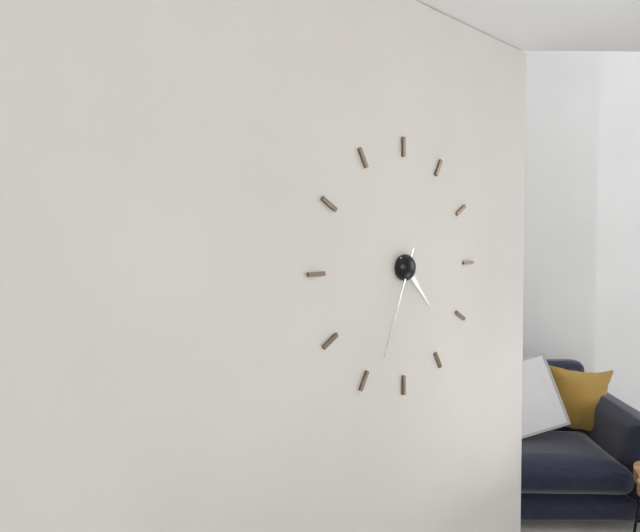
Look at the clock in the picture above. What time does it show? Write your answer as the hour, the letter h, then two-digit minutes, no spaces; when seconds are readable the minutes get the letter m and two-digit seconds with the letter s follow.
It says 4h34
